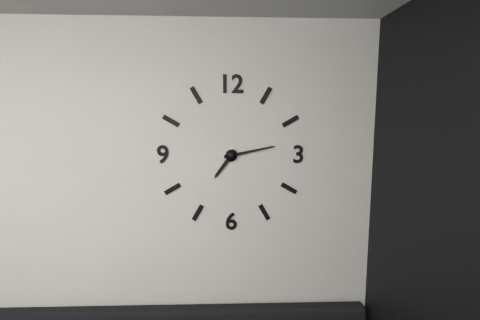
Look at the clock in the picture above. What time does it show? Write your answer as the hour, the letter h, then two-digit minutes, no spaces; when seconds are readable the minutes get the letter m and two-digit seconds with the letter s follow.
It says 7h13
